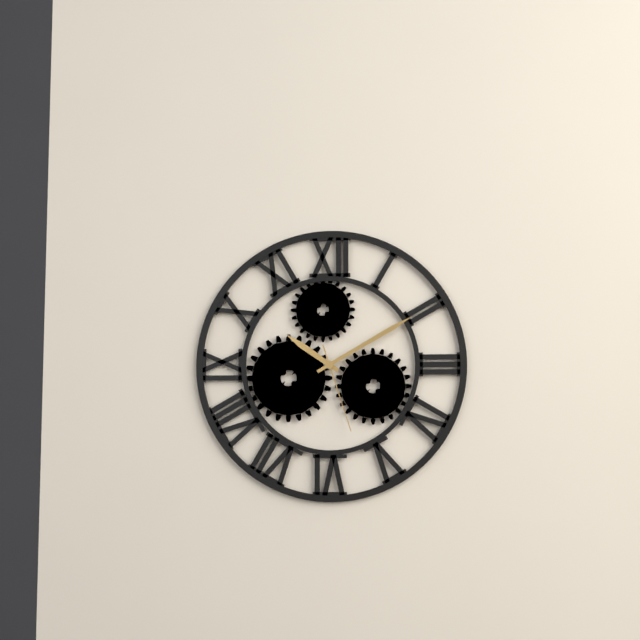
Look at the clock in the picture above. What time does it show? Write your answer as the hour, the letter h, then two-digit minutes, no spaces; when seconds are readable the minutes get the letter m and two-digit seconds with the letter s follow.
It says 10h10m27s
